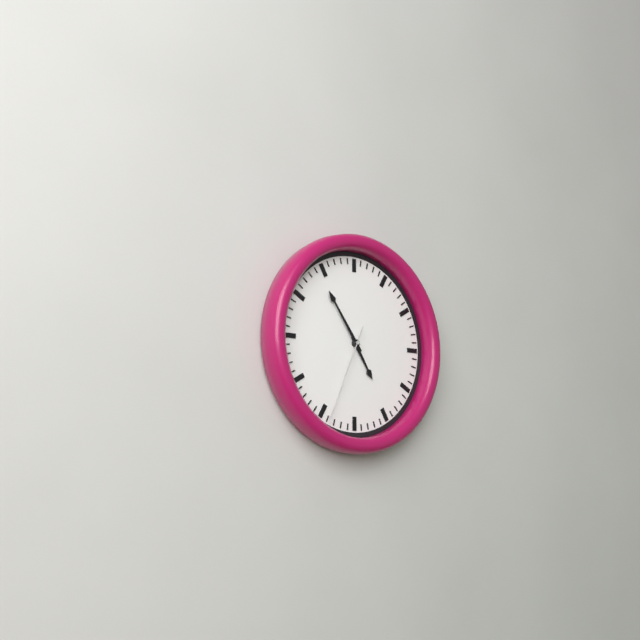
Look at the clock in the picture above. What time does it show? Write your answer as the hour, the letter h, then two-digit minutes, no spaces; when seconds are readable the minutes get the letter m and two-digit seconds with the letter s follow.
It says 4h54m34s
